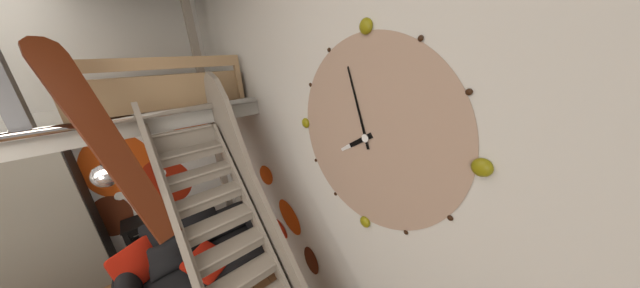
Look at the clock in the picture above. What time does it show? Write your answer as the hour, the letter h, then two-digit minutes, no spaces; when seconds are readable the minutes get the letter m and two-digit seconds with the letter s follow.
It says 7h57
